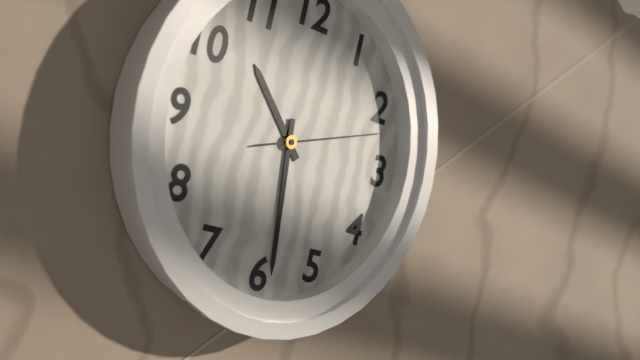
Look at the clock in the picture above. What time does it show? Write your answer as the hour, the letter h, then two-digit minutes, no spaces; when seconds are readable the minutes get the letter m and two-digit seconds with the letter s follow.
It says 10h29m12s
